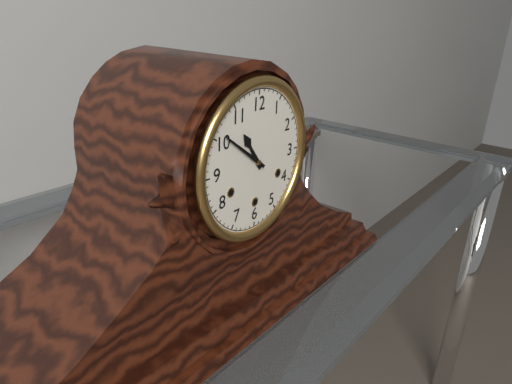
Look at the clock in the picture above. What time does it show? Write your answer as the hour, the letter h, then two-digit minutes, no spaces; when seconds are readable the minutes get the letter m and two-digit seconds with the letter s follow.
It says 10h51
